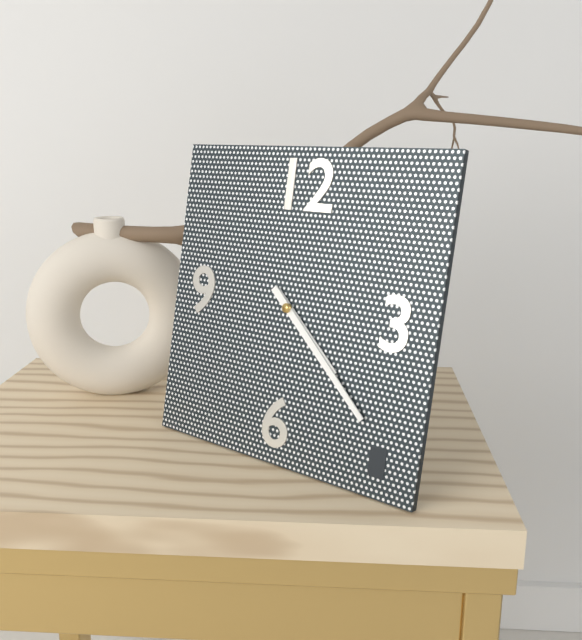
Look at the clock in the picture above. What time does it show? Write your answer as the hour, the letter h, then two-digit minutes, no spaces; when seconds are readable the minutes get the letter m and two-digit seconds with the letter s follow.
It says 4h22
